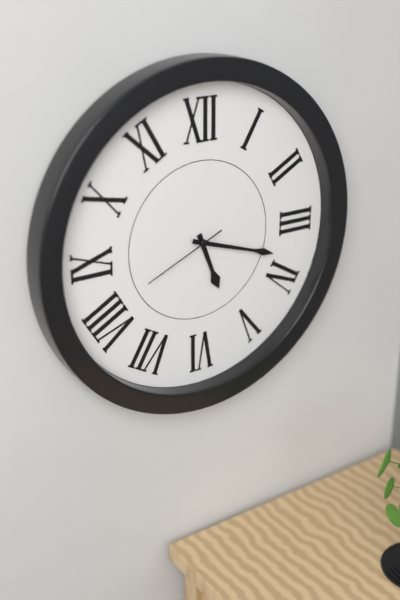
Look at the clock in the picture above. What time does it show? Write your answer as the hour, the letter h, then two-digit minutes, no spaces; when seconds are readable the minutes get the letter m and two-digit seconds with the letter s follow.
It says 5h18m41s
